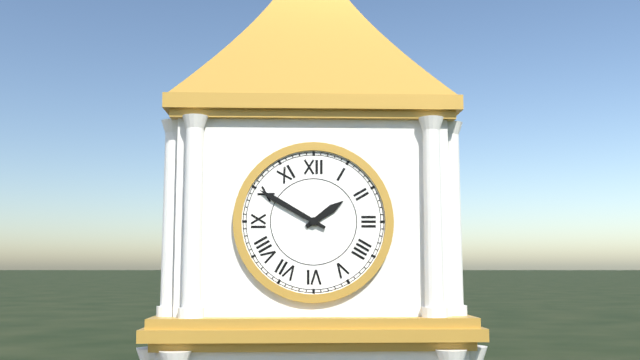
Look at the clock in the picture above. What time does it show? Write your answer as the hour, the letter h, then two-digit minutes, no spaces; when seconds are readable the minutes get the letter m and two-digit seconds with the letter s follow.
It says 1h50
